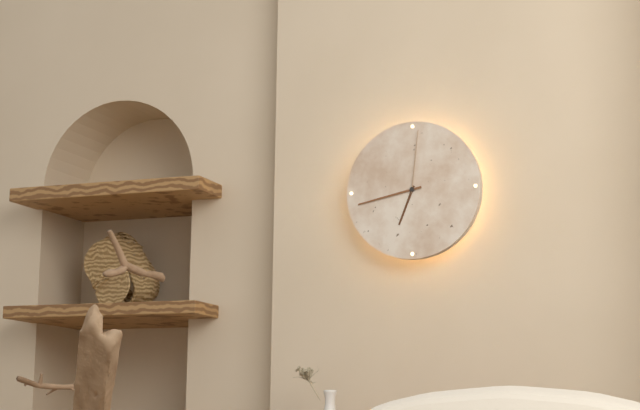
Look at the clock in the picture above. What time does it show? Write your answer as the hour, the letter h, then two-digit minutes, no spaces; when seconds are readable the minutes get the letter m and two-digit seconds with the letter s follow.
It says 6h43m01s
